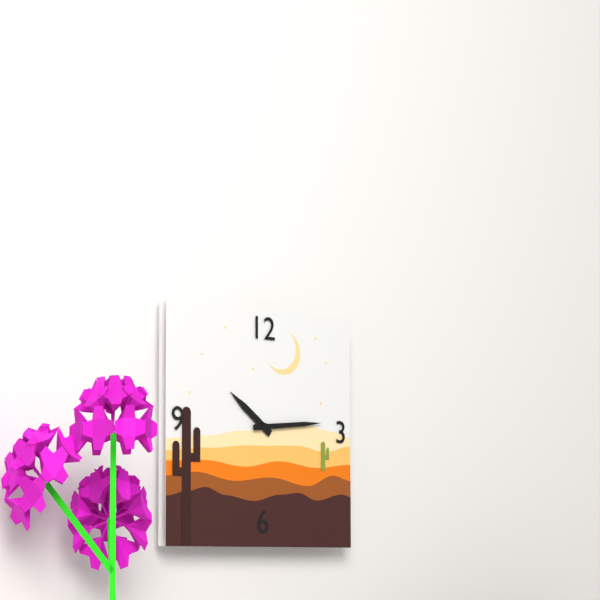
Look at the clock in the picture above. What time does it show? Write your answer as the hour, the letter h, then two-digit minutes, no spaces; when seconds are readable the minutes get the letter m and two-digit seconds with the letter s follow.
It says 10h14
